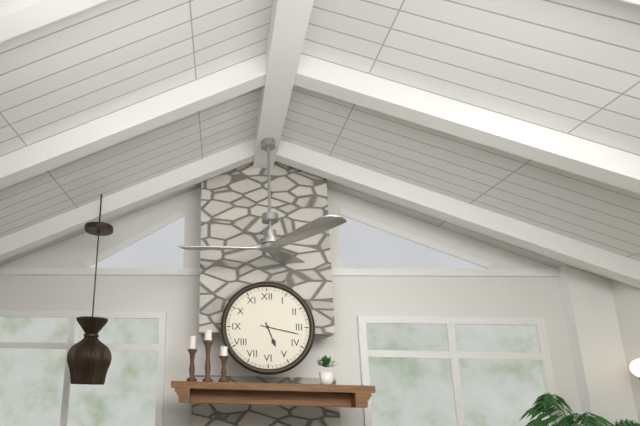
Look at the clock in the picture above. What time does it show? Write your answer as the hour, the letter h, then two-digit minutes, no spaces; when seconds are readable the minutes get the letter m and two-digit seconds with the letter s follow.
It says 5h17
